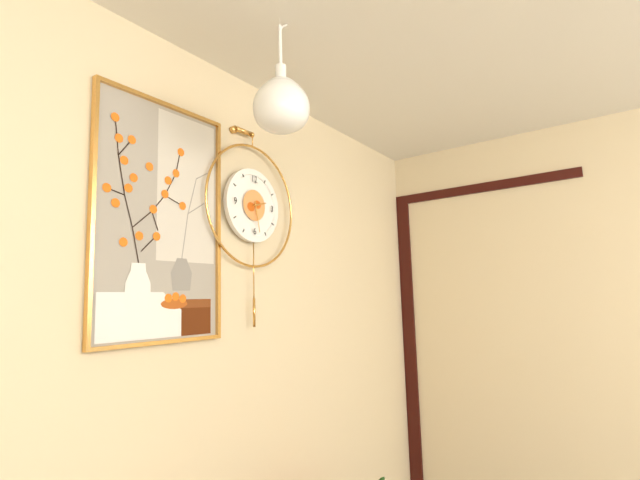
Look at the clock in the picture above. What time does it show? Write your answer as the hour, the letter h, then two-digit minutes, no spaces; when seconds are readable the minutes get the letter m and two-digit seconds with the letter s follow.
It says 2h28
